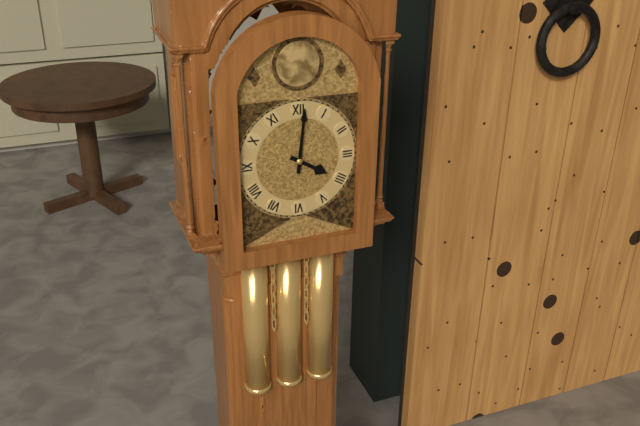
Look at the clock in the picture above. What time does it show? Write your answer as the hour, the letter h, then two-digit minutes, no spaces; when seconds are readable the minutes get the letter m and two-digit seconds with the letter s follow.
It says 4h01
